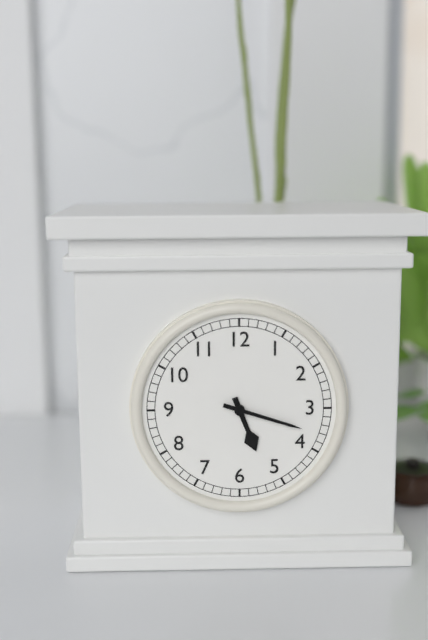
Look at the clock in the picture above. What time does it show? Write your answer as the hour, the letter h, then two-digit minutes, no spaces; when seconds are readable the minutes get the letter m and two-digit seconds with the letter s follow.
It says 5h18
